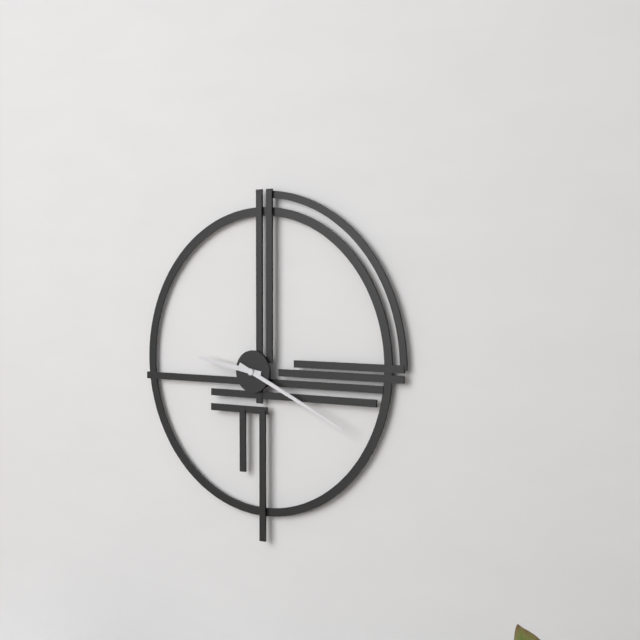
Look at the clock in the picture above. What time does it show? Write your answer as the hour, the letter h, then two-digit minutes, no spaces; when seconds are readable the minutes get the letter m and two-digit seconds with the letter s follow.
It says 9h19
